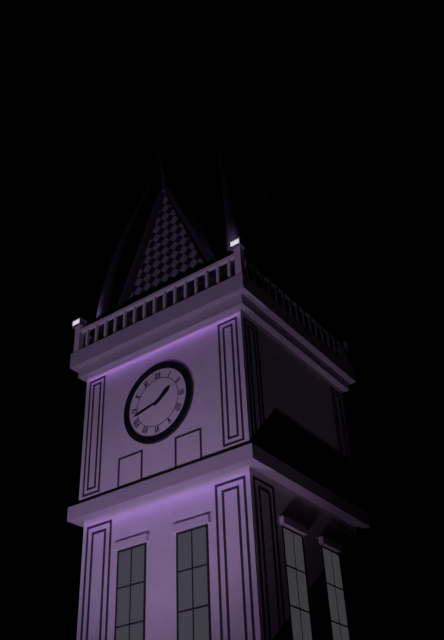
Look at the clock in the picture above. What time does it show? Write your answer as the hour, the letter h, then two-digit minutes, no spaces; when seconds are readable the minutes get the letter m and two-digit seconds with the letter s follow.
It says 1h43
